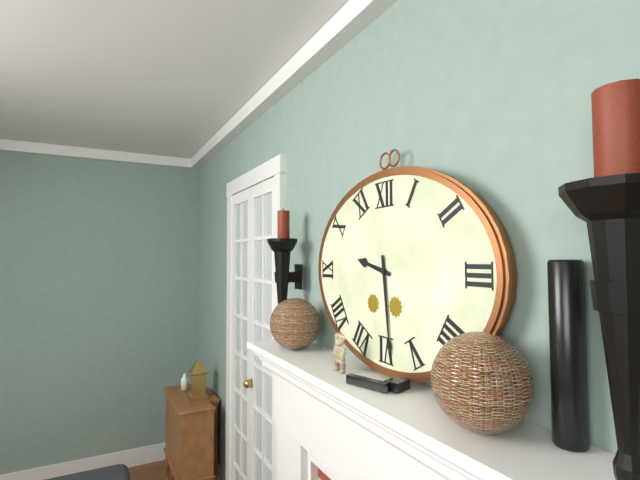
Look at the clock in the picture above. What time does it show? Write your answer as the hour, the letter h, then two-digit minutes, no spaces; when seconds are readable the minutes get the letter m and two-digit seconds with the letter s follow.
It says 9h29
